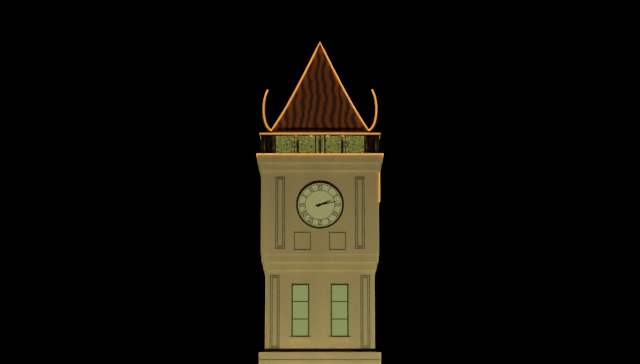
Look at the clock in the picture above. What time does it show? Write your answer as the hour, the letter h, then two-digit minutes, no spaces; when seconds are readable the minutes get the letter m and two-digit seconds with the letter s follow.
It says 2h13
